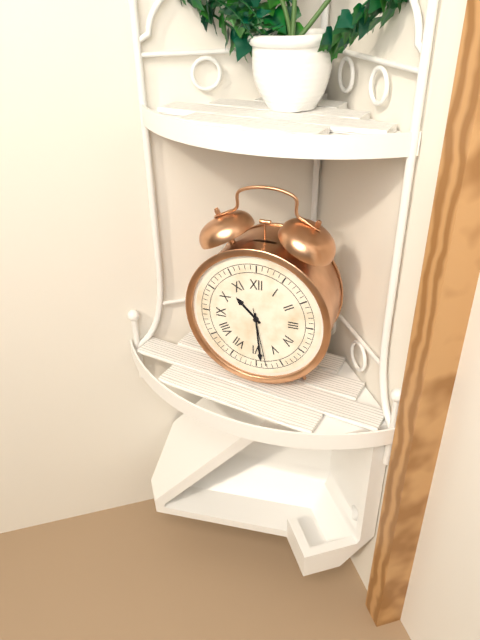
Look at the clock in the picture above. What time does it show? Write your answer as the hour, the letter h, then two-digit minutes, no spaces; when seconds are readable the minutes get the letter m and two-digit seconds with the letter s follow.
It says 10h29m28s
